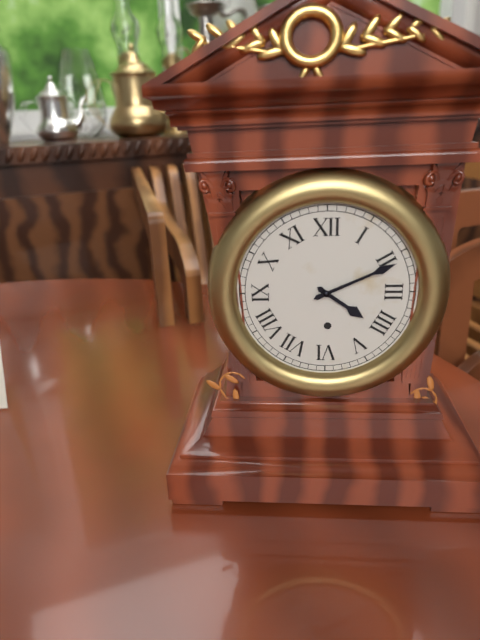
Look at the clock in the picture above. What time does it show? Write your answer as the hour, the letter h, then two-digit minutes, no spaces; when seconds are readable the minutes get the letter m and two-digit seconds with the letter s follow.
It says 4h11
